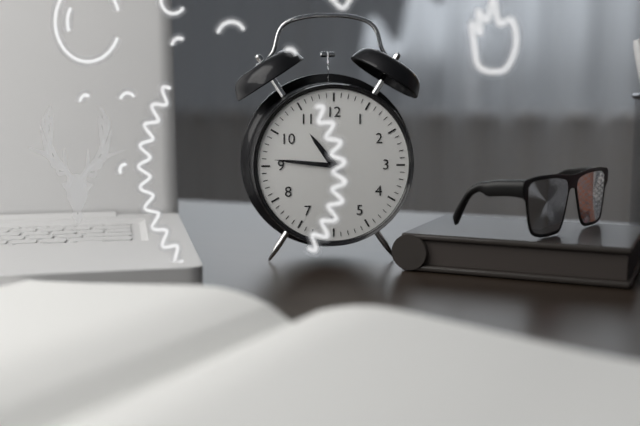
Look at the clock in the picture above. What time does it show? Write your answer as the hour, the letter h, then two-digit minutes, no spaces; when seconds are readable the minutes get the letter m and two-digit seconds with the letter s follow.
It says 10h46
